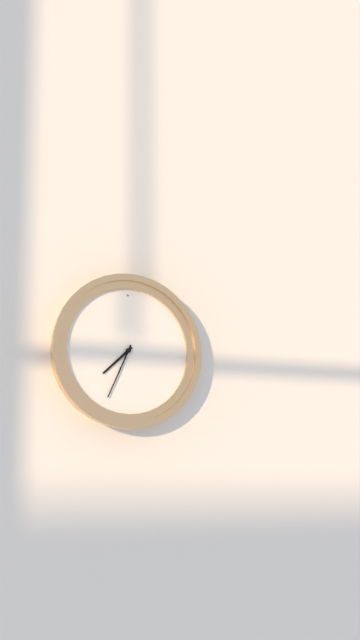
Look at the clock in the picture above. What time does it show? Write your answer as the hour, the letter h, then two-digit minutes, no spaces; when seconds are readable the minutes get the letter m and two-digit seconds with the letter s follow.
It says 7h34
